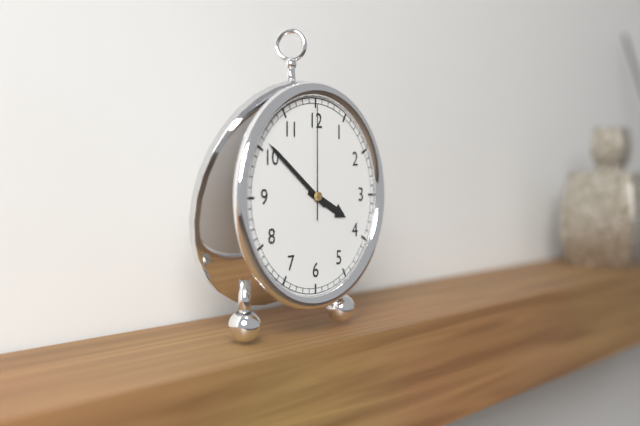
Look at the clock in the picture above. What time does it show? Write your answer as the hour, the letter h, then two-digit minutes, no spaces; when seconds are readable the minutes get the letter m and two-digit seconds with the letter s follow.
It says 3h51m00s
